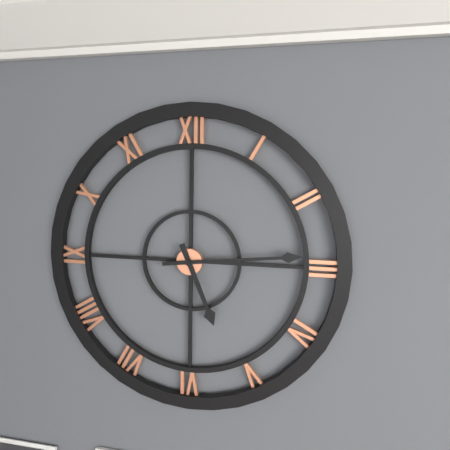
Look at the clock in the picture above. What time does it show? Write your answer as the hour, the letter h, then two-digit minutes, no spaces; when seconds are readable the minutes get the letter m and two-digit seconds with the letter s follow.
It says 5h14
